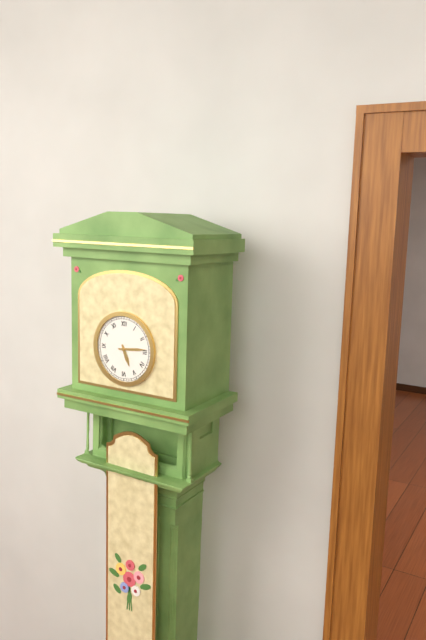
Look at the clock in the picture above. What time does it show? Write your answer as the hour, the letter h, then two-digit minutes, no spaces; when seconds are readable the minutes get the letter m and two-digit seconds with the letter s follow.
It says 5h14
